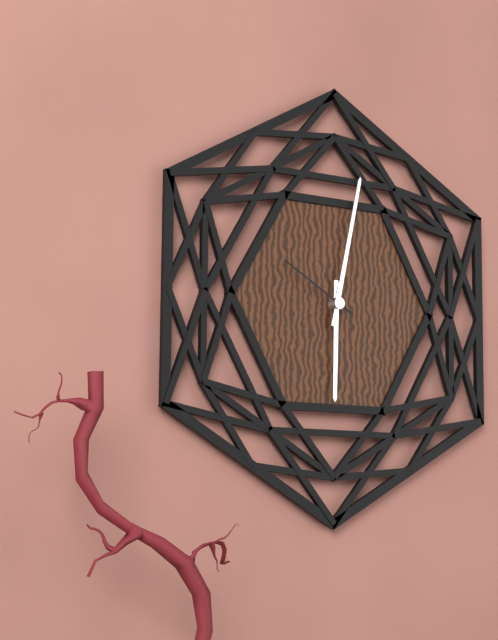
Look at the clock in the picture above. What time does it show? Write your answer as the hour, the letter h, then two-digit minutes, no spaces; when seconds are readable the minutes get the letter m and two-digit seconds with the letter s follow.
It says 6h02m50s
